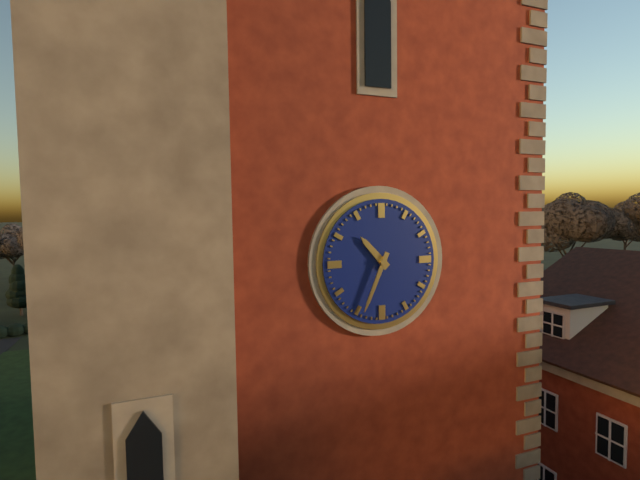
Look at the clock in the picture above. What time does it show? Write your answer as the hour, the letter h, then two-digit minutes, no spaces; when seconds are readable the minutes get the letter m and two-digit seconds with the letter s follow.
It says 10h34
